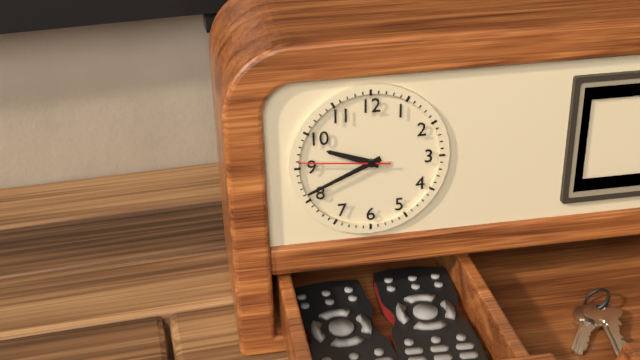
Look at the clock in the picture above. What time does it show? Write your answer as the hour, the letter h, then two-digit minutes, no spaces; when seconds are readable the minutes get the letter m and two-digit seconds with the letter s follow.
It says 9h41m46s
